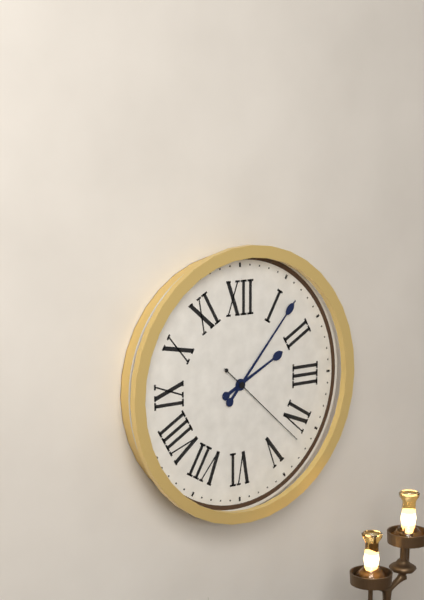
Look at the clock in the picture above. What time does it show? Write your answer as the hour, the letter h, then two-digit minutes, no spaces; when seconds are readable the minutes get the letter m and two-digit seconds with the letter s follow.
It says 2h07m22s
